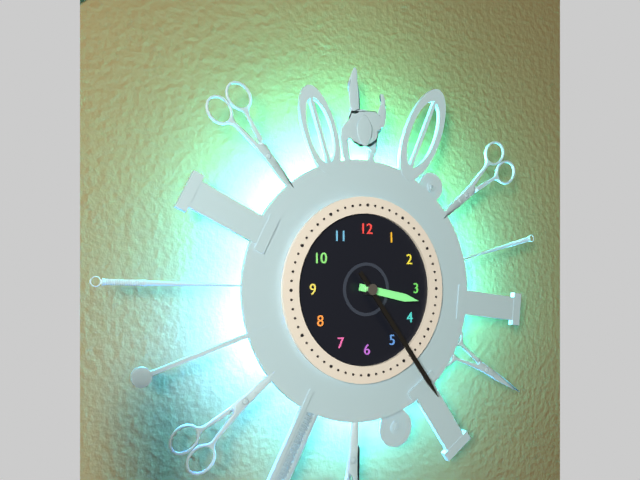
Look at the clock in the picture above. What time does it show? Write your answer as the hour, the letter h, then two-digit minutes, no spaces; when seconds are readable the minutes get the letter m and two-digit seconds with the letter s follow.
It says 3h24
